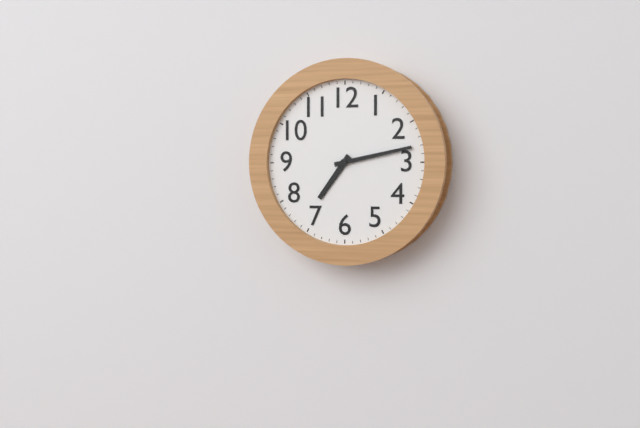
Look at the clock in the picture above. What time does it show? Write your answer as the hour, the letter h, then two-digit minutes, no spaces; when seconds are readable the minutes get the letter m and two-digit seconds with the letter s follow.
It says 7h13
